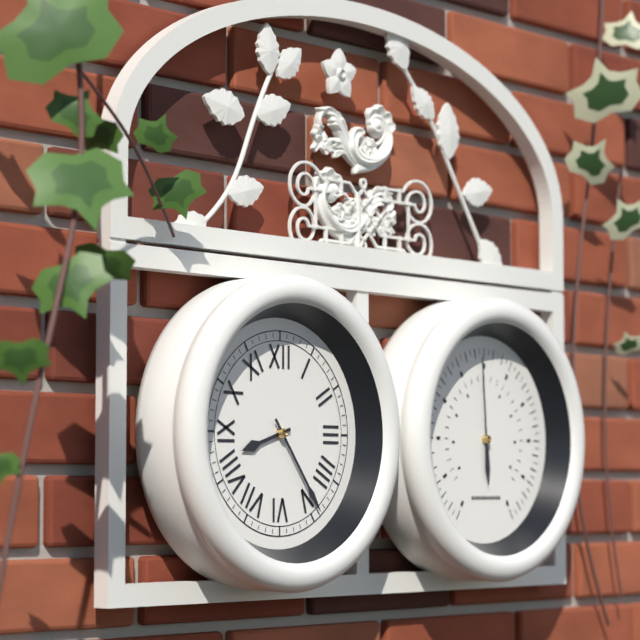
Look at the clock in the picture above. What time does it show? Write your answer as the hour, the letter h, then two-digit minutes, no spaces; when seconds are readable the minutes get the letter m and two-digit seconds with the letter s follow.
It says 8h24
